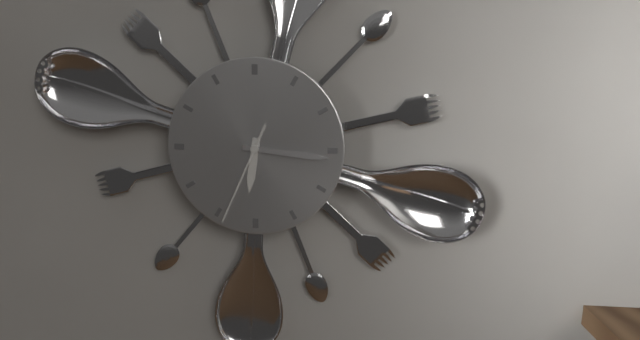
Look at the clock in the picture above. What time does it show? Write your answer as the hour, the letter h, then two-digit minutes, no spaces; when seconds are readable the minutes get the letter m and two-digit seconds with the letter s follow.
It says 6h16m34s
